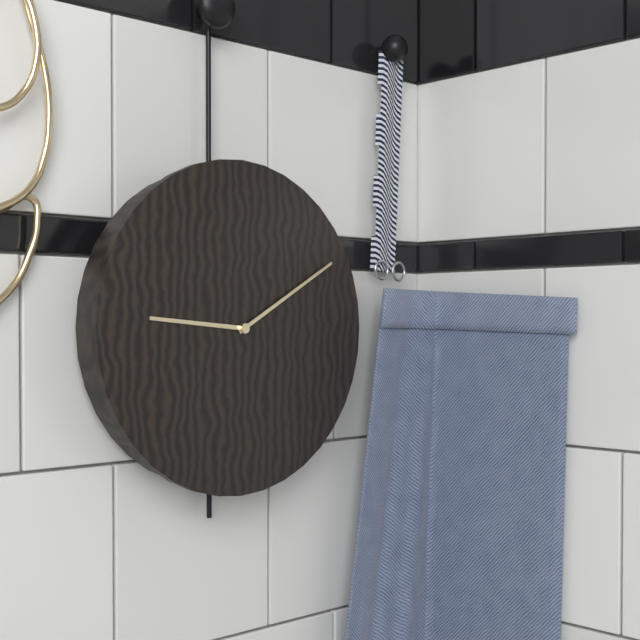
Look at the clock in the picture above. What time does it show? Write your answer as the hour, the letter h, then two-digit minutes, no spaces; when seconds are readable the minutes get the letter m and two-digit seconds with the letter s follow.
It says 9h10
